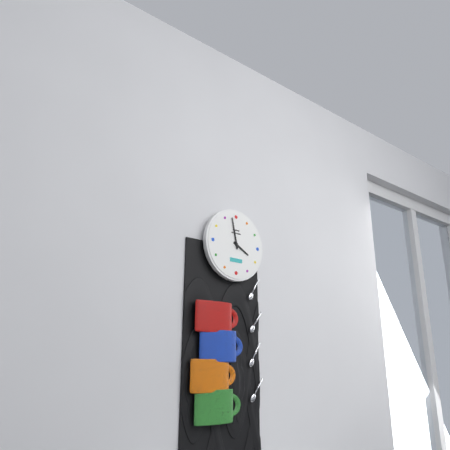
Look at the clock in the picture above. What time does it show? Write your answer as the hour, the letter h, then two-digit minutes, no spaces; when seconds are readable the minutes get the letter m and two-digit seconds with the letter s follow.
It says 3h58
